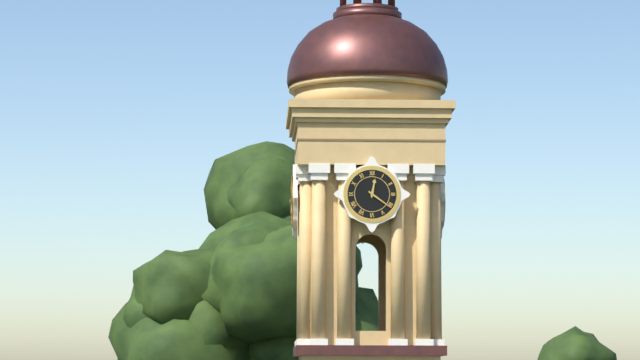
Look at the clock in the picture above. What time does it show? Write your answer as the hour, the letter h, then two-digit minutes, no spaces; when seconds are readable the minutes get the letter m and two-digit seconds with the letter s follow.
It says 12h21
